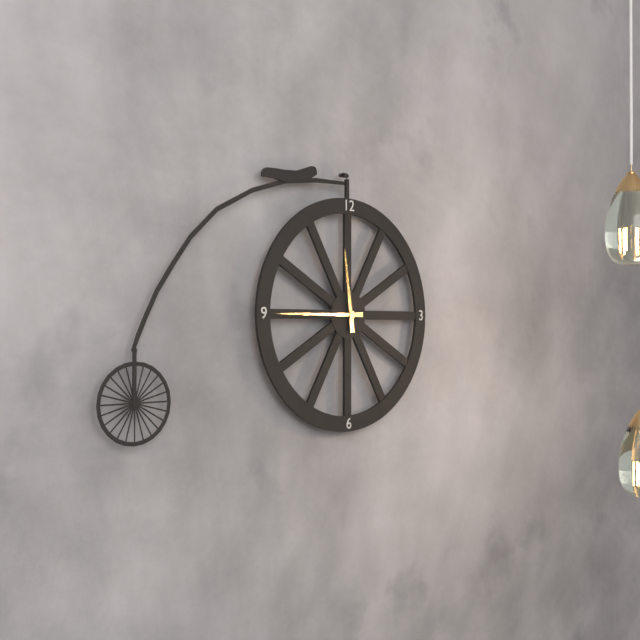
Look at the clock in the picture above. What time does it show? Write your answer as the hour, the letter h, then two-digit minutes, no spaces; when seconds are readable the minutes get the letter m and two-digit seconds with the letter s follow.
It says 11h45
